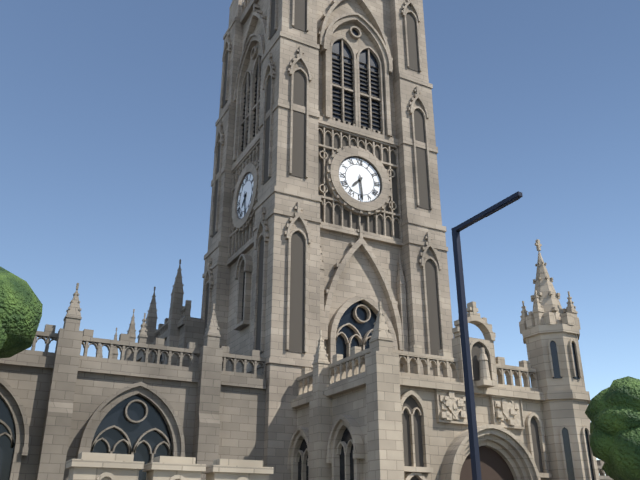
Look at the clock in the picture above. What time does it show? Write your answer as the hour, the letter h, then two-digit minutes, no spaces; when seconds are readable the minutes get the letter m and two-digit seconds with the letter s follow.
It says 7h29
